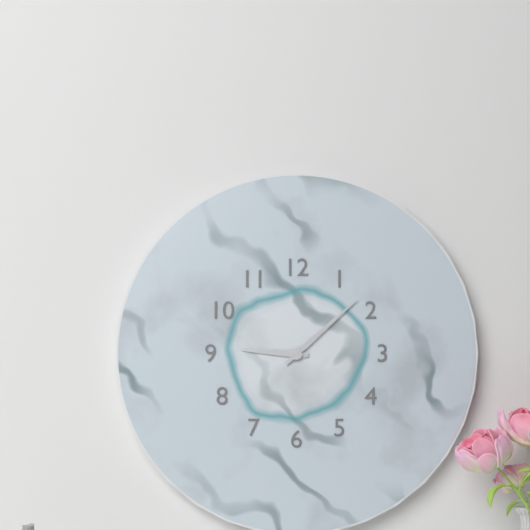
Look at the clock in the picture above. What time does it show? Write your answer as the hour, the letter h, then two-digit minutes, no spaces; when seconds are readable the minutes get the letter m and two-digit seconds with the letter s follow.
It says 9h08
